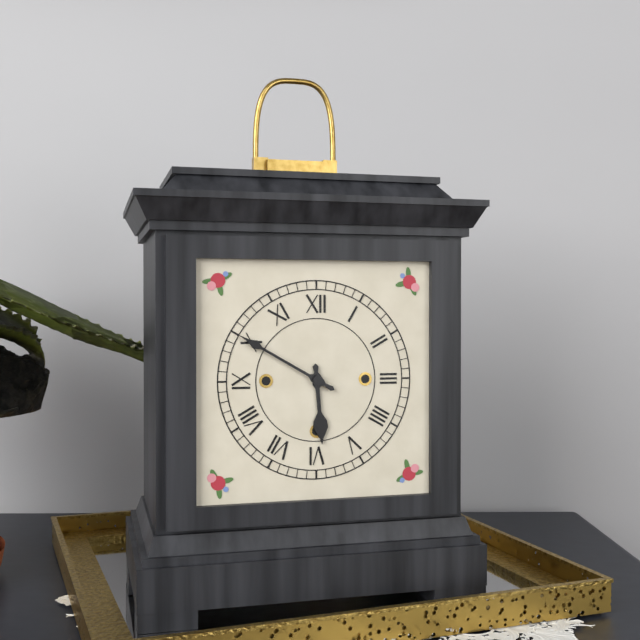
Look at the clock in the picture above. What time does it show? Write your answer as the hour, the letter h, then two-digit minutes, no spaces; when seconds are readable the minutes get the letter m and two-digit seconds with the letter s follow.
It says 5h50
